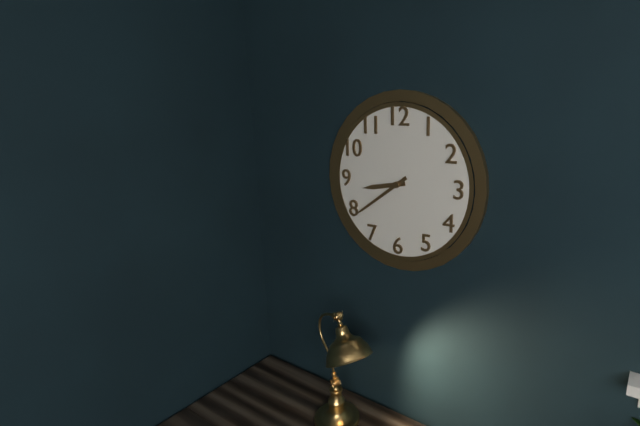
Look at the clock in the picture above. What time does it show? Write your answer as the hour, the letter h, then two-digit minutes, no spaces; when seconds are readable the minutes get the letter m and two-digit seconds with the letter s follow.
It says 8h39
